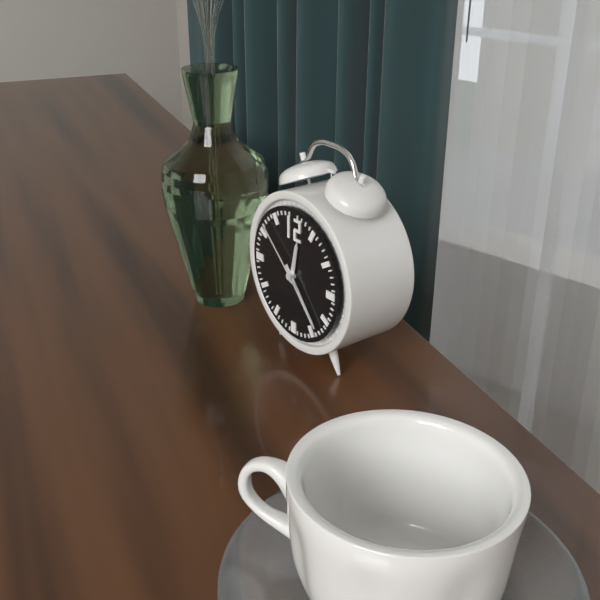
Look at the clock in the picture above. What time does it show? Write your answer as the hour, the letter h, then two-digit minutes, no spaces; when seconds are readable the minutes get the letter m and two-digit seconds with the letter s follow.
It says 12h23m52s
